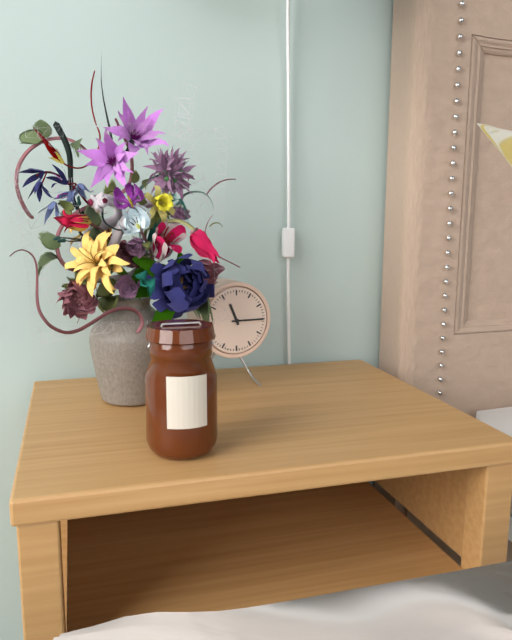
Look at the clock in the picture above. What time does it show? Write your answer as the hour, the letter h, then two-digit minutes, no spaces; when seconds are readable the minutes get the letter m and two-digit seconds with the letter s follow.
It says 11h15
